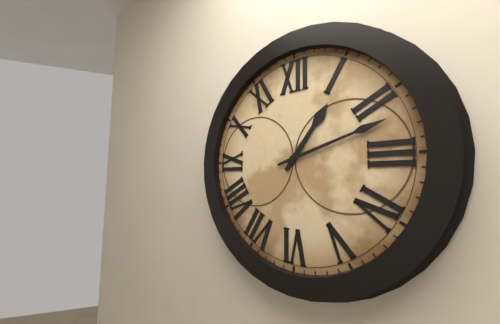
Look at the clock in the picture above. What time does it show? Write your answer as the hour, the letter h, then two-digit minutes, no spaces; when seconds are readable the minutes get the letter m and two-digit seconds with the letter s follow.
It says 1h12
